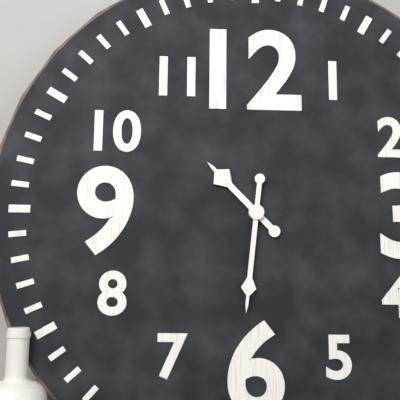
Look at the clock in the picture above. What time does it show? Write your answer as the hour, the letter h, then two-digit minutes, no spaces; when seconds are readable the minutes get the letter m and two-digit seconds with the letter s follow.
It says 10h31
